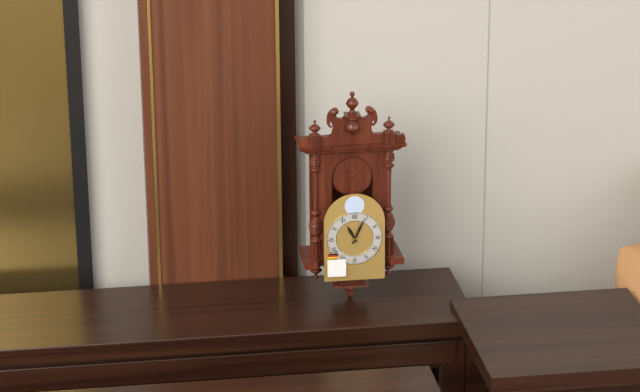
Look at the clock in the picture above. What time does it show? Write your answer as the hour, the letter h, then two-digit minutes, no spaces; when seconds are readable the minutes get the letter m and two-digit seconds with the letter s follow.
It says 11h04
